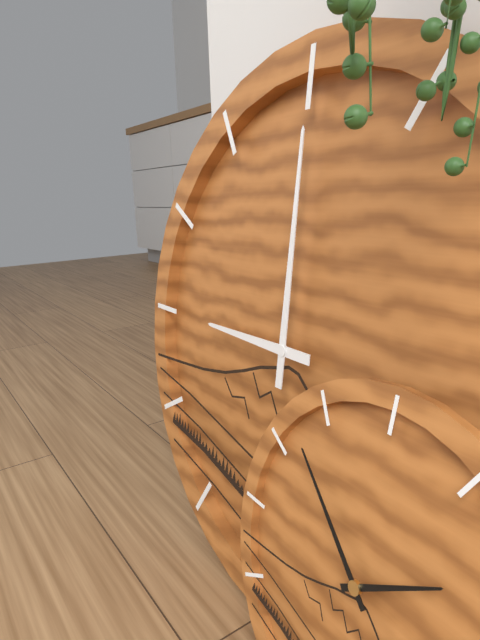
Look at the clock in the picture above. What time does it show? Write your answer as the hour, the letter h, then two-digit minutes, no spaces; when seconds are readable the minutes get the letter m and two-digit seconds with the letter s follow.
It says 9h00
